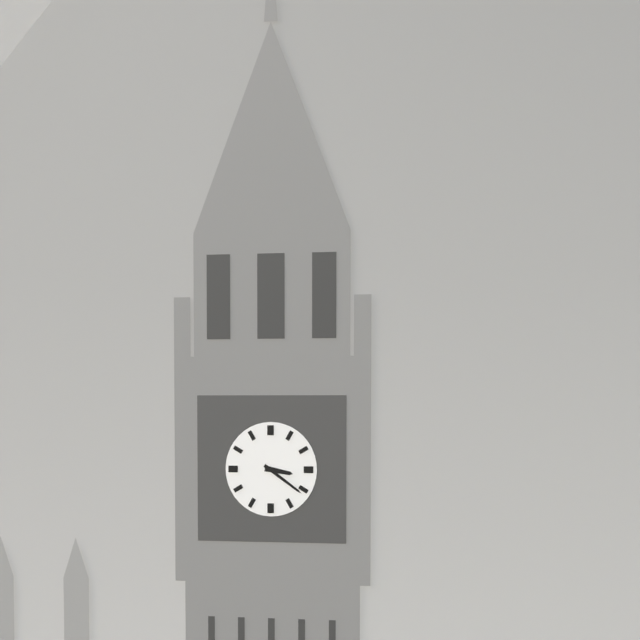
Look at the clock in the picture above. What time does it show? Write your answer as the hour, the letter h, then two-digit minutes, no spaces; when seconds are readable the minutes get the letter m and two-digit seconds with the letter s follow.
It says 3h21
